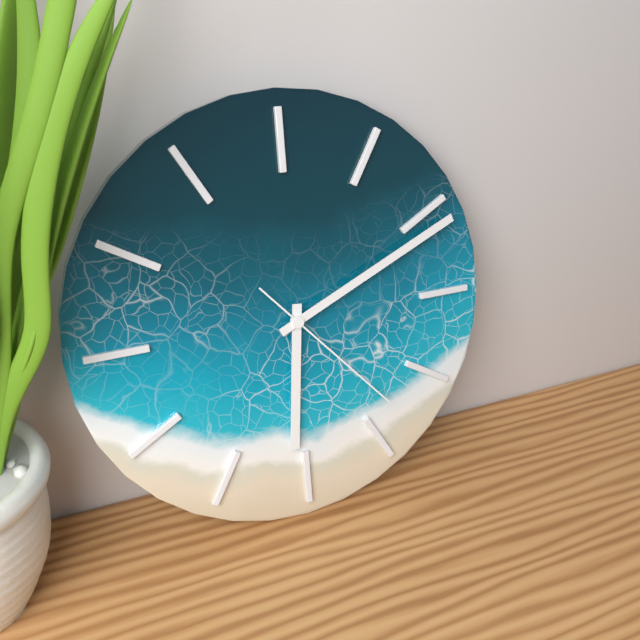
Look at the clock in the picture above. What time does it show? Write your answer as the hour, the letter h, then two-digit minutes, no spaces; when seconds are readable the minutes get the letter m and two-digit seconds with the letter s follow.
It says 6h11m23s
